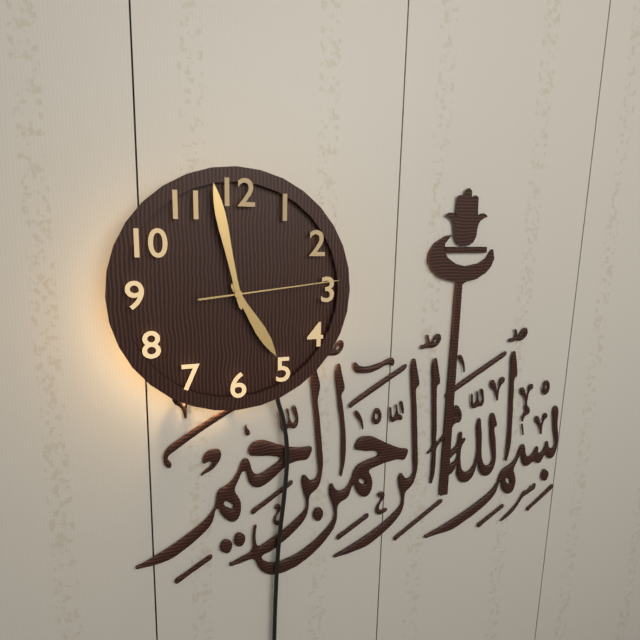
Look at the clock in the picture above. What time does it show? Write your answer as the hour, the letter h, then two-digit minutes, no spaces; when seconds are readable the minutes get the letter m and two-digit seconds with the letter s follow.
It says 4h58m14s
